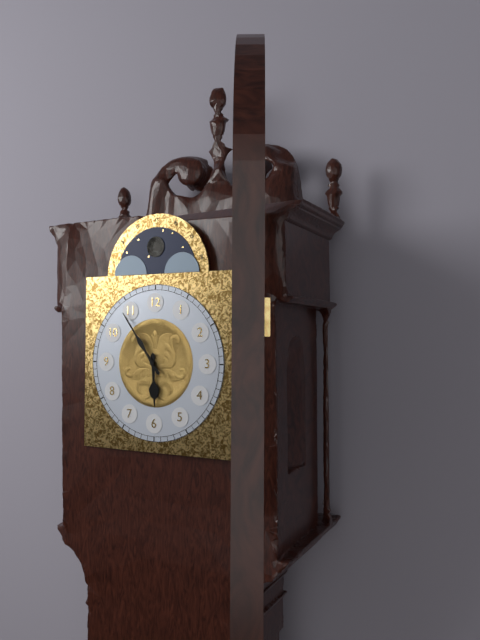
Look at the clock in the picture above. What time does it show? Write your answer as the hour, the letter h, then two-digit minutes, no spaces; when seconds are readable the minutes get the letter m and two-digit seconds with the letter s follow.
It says 5h54
